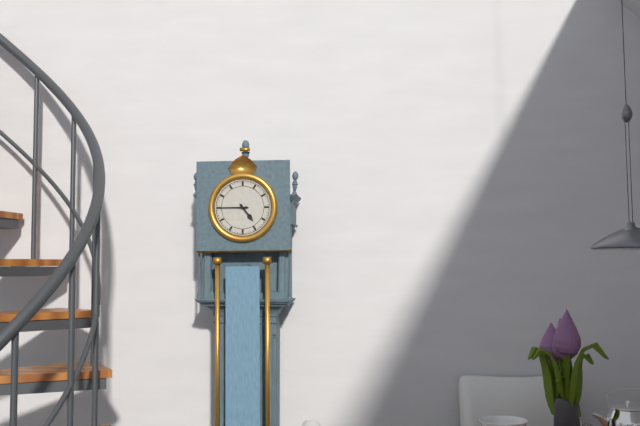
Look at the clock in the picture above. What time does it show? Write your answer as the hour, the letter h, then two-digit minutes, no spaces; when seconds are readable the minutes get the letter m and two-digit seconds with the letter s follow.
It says 4h45
